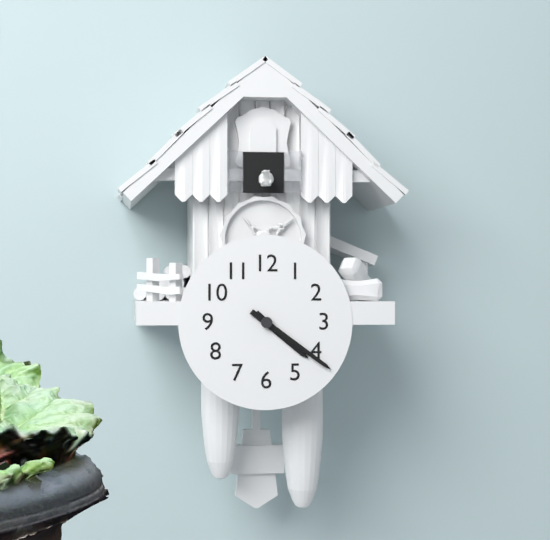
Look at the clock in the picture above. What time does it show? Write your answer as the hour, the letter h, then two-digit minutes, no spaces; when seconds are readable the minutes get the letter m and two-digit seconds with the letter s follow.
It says 4h21
